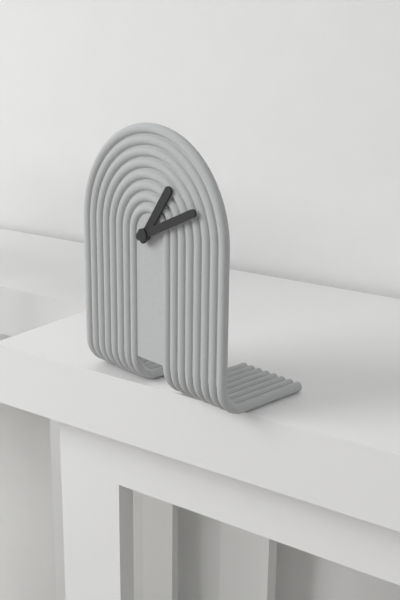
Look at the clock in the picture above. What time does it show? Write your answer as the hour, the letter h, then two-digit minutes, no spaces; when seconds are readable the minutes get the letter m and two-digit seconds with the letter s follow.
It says 1h11
